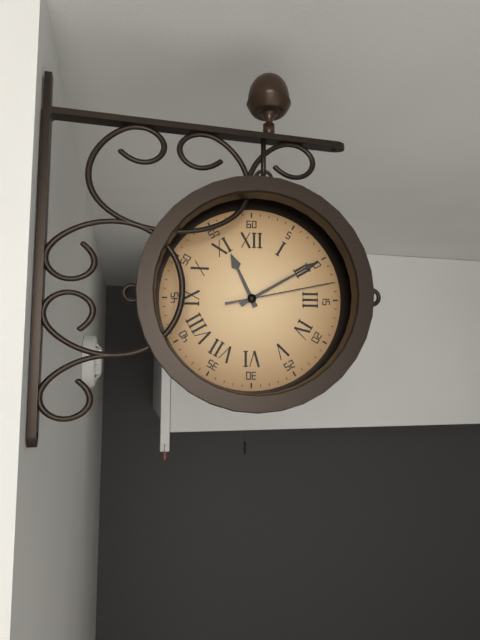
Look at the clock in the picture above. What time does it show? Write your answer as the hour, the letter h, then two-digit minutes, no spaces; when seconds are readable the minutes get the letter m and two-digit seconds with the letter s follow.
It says 11h10m13s
